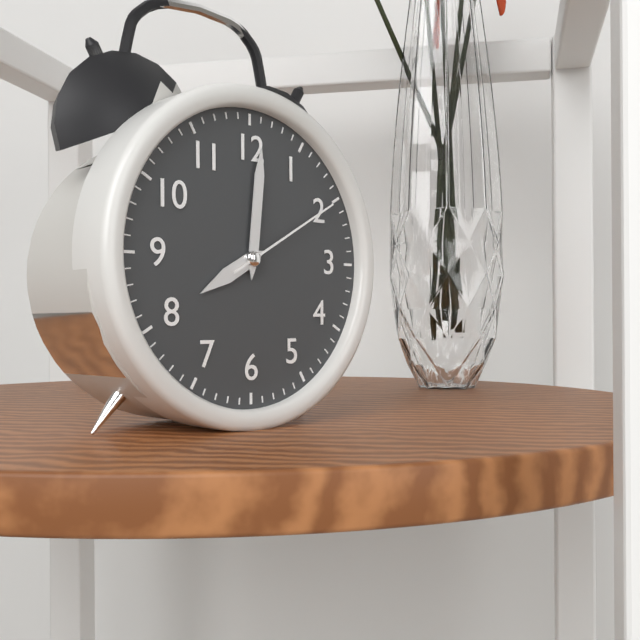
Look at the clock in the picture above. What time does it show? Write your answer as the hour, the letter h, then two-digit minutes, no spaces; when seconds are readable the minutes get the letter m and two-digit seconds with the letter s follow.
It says 8h01m10s
